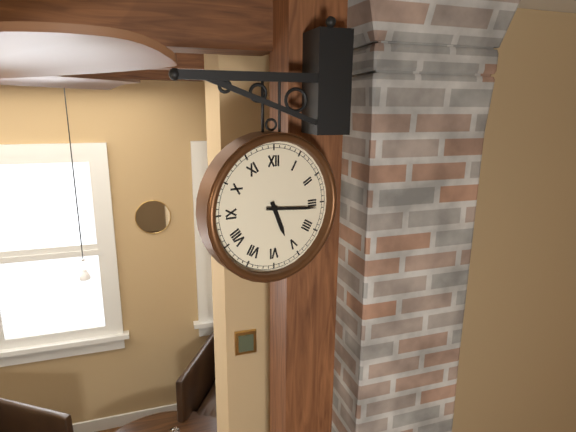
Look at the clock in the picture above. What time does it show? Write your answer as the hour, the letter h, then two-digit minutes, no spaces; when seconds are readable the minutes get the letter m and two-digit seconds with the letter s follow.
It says 5h16
